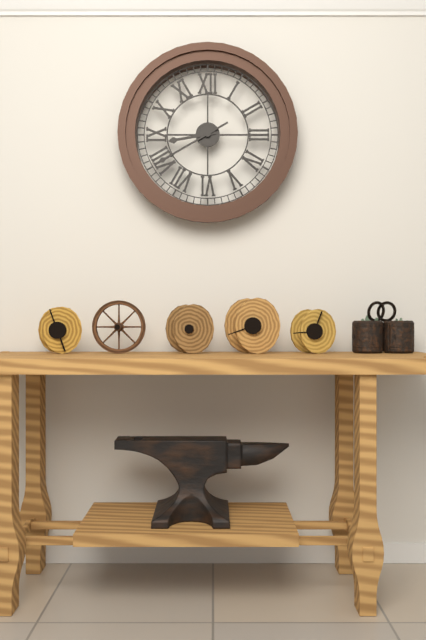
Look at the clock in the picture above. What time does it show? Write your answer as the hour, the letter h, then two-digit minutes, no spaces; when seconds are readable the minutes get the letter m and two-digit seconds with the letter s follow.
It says 8h40
